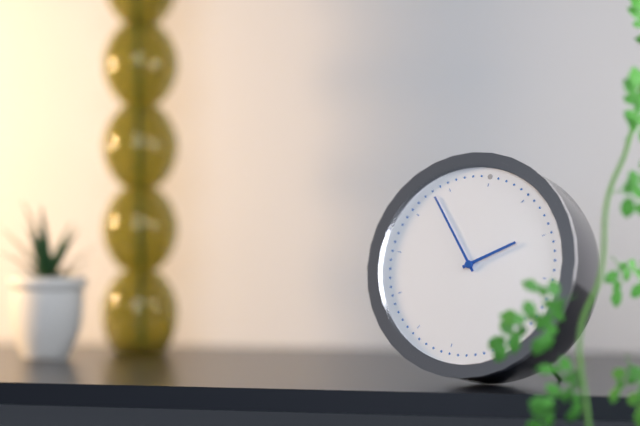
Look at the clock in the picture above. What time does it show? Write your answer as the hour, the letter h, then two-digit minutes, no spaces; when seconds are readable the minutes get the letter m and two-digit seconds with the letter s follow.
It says 1h53
